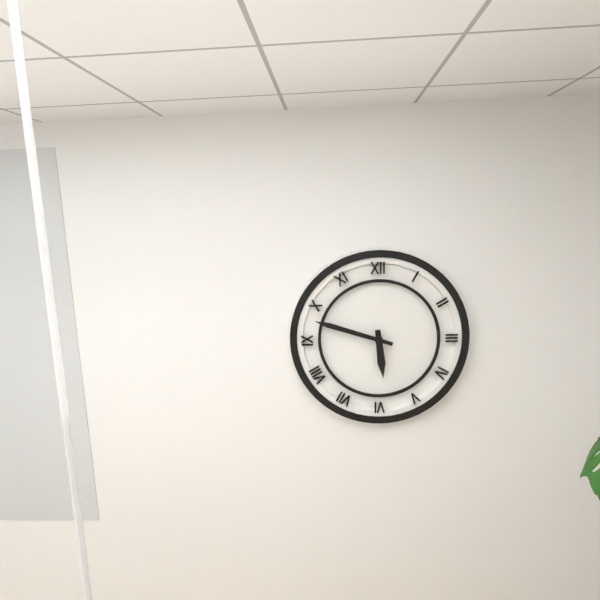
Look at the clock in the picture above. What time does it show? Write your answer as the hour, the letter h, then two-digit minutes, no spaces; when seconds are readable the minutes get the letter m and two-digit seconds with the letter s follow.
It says 5h48
